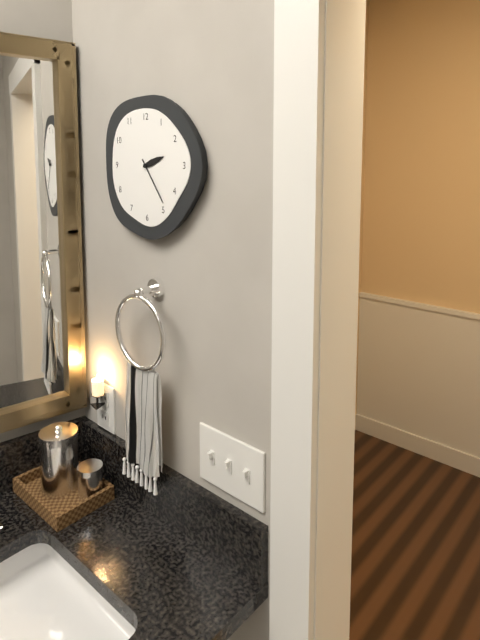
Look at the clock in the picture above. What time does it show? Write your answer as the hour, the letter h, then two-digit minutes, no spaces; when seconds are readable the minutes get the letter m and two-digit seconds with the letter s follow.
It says 2h24
